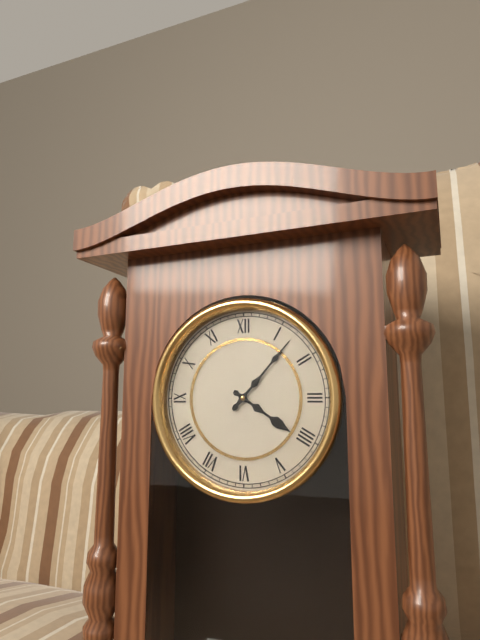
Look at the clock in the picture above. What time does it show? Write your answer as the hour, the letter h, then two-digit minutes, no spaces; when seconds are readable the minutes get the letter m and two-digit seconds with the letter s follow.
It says 4h07
